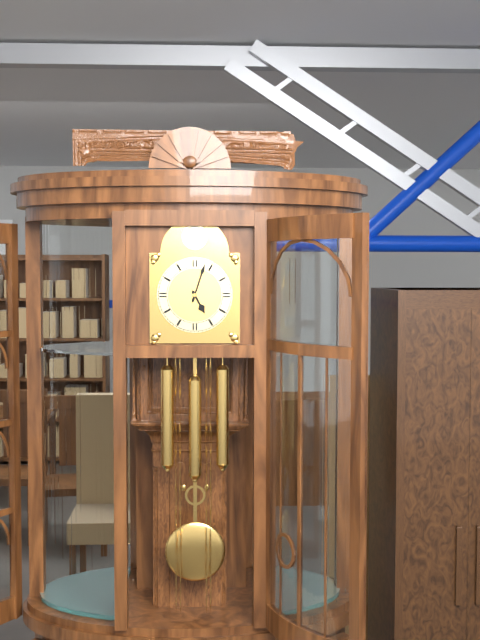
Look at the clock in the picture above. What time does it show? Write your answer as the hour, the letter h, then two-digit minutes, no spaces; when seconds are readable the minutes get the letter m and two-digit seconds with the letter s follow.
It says 5h03
